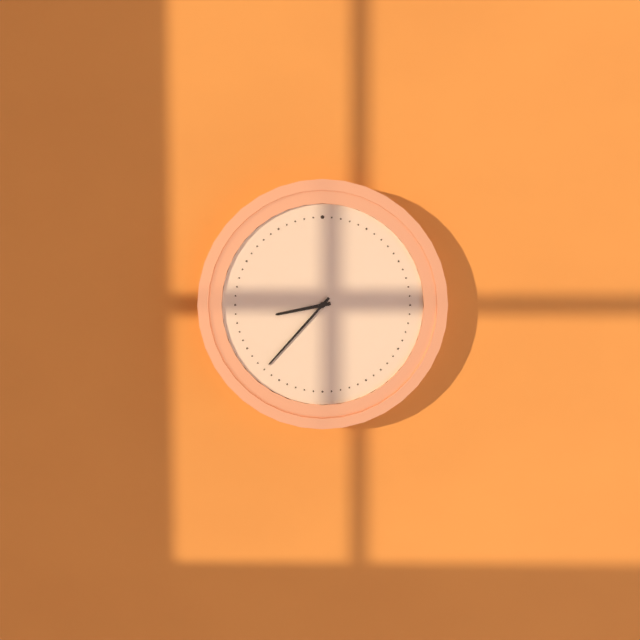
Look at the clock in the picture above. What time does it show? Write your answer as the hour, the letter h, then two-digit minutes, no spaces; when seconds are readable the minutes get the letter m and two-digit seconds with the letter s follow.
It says 8h37
